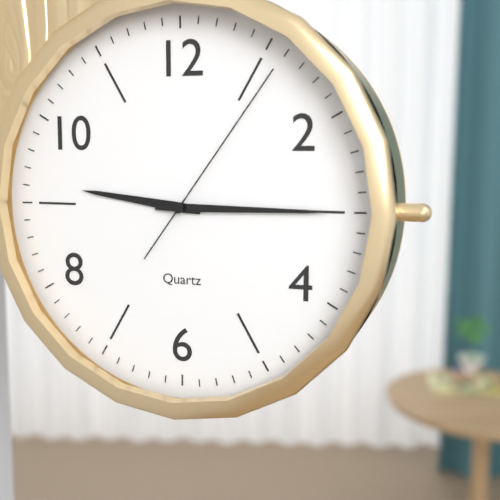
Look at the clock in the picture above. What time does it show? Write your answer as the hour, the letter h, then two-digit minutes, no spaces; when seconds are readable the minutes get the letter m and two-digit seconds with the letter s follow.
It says 9h15m06s
